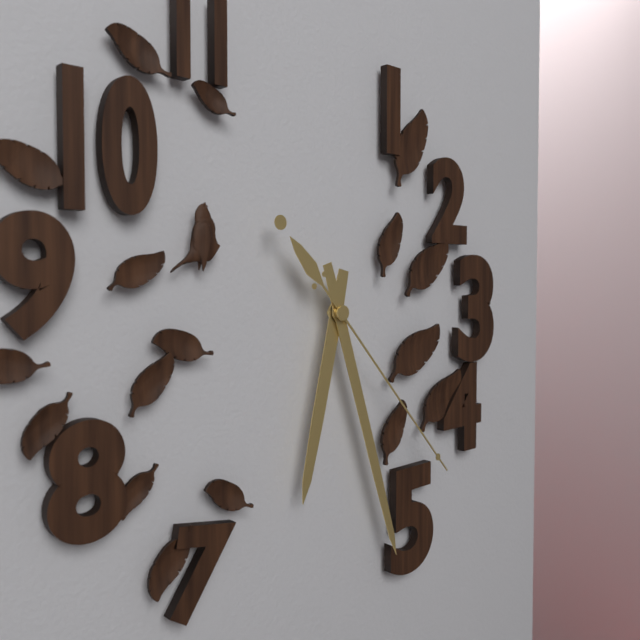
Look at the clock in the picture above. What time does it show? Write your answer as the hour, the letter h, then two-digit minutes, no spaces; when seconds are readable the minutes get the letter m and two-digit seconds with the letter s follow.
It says 6h27m23s
